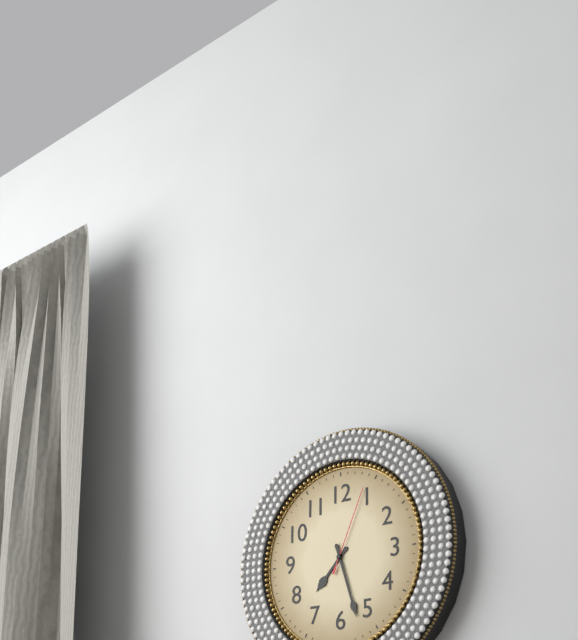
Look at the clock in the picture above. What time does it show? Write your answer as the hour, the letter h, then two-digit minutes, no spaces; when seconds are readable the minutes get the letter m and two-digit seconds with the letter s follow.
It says 7h27m04s
